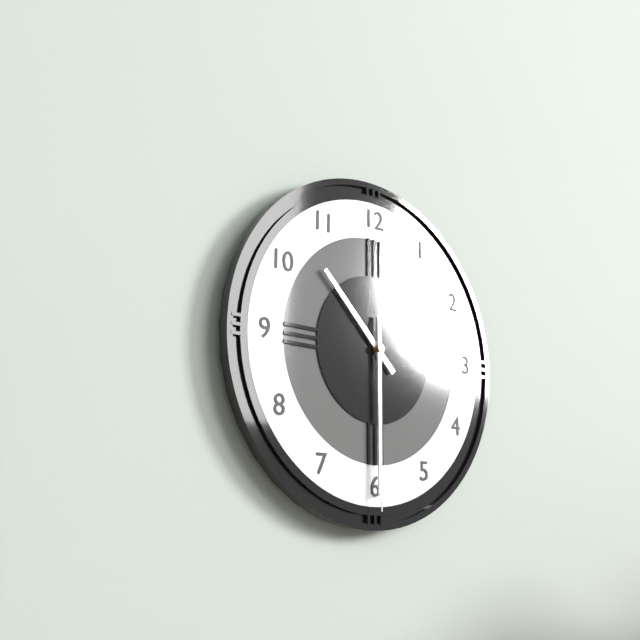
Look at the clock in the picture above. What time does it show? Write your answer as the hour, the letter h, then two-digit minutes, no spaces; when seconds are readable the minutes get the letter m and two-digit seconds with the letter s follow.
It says 10h30m30s
